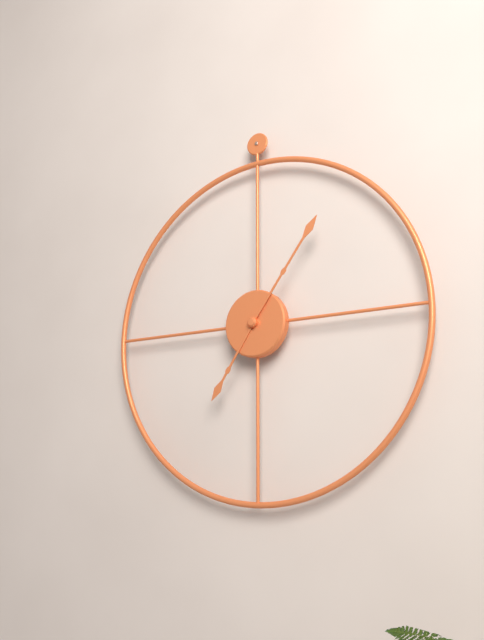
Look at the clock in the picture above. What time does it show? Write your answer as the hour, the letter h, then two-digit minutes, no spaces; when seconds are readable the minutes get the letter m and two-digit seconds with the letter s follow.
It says 7h06
